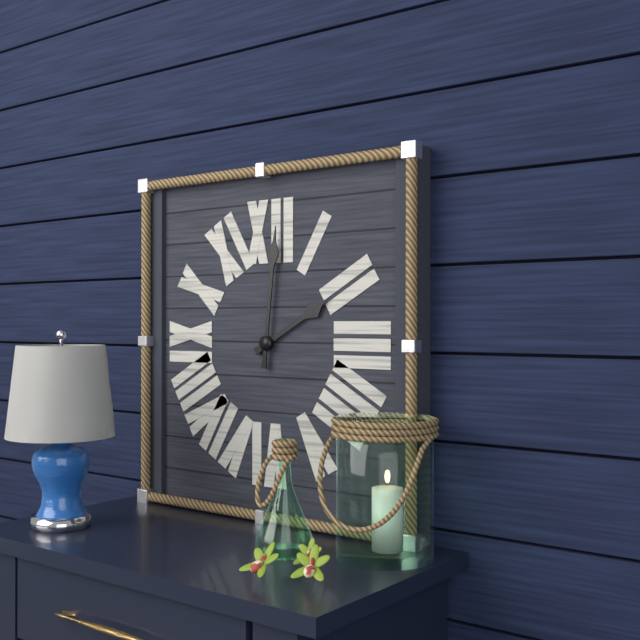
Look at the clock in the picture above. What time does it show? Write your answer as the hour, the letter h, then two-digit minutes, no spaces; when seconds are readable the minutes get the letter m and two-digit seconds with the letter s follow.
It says 2h01
